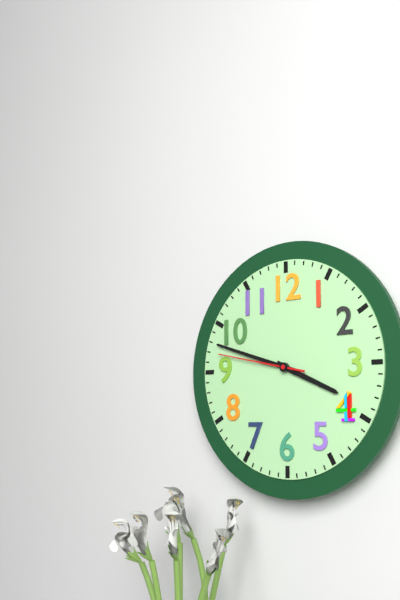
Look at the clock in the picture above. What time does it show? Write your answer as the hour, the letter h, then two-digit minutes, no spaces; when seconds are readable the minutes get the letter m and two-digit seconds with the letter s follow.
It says 3h48m47s
